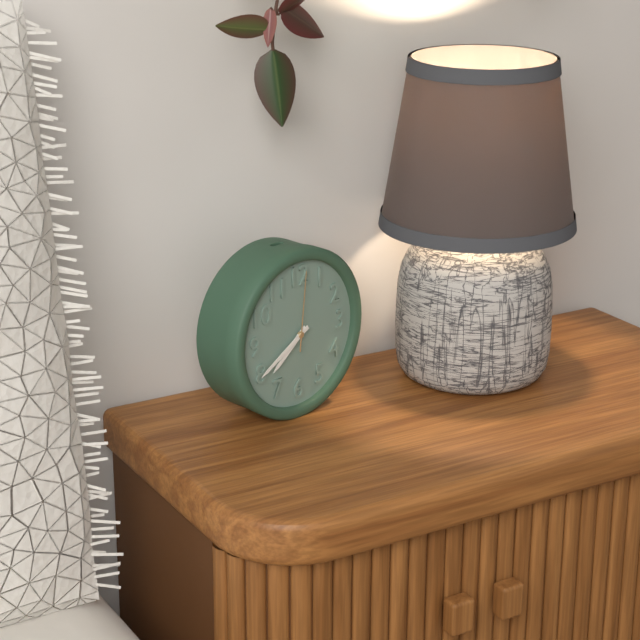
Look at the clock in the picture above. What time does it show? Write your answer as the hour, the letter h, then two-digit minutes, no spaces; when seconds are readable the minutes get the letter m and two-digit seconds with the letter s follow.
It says 7h40m01s
